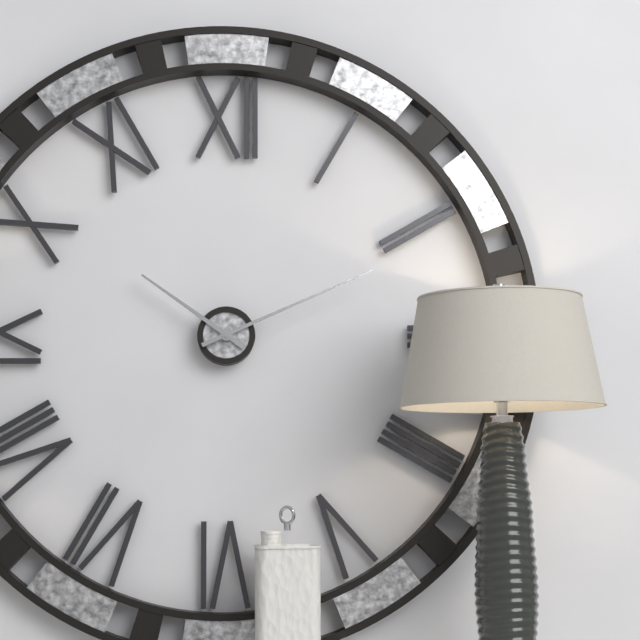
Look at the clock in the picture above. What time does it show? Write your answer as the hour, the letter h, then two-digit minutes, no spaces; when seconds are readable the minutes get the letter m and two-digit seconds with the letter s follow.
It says 10h11
